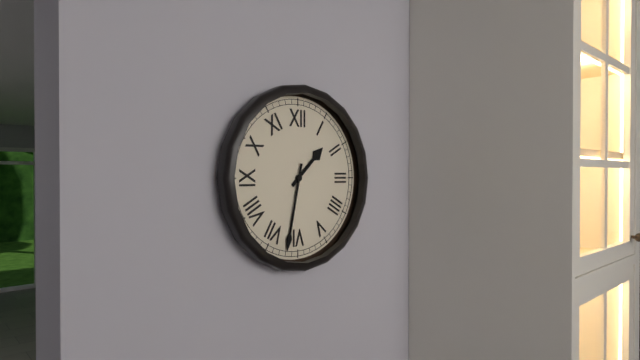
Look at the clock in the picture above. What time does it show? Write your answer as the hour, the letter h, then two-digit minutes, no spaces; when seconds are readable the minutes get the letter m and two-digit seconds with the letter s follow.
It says 1h32
